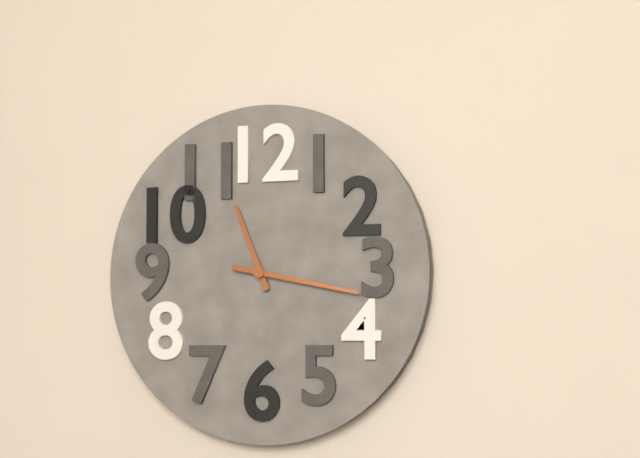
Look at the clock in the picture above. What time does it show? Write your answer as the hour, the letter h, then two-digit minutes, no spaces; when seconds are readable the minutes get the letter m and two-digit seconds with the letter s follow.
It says 11h17
